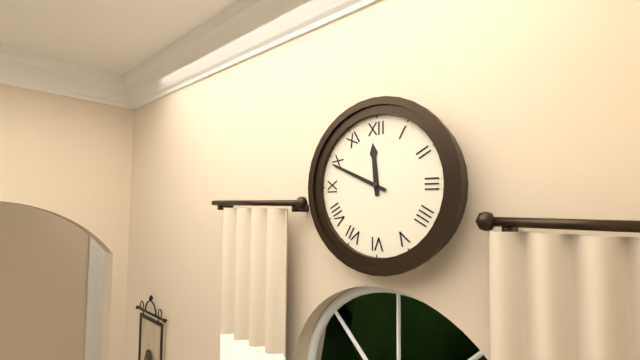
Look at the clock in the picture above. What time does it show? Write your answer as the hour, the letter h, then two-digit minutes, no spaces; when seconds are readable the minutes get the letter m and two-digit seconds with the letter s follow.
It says 11h49
